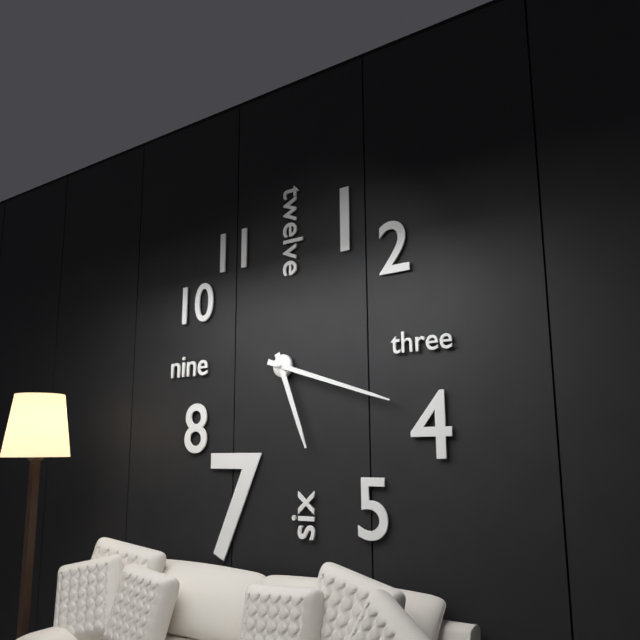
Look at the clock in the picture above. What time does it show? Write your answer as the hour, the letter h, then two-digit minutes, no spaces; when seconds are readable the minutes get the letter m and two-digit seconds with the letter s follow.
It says 5h18
